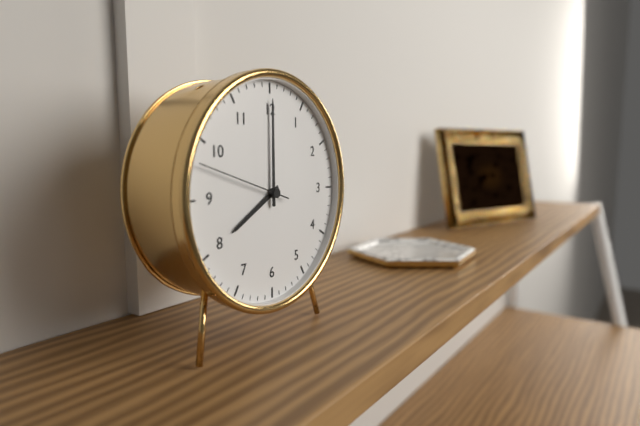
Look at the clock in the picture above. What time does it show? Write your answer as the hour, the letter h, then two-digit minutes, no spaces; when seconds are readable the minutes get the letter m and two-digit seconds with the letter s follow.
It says 8h00m48s
